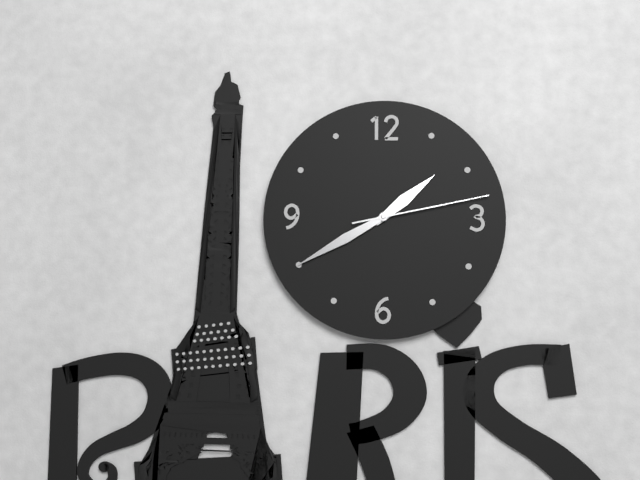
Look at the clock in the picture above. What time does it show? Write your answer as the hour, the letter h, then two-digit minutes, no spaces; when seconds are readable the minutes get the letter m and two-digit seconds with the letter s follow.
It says 1h40m13s
